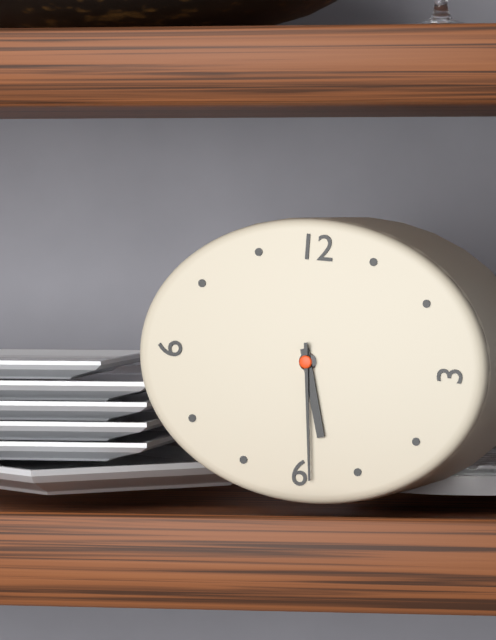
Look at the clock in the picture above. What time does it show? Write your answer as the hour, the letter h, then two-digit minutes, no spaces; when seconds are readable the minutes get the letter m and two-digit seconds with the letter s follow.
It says 5h29
